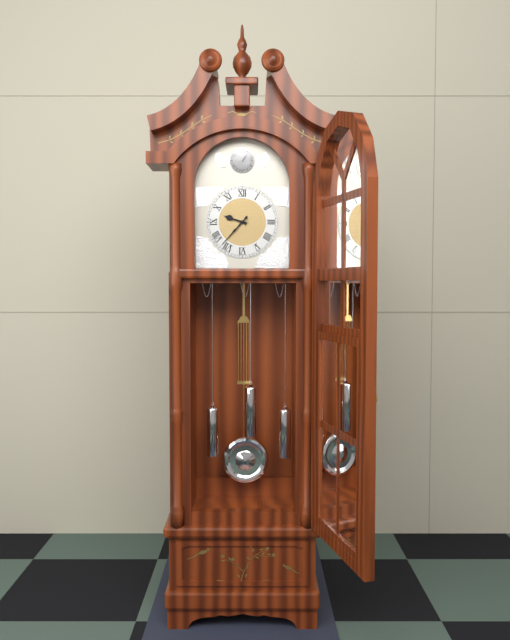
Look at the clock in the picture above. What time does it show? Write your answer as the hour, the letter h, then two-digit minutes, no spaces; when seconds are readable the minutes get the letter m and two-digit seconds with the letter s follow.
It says 9h37
